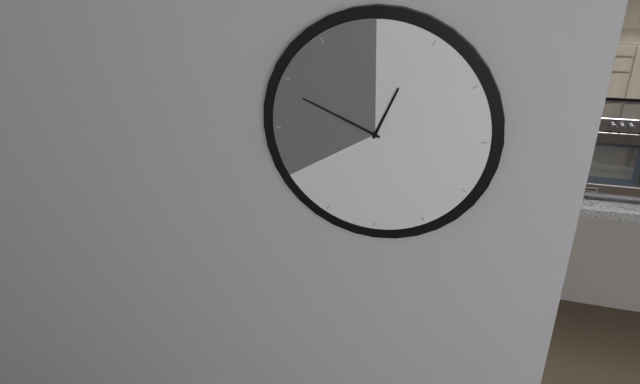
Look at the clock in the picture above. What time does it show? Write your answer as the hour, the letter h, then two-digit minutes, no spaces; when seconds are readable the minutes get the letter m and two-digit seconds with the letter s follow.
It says 12h49
